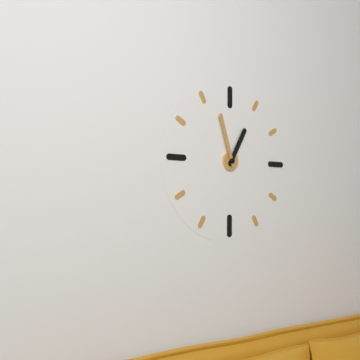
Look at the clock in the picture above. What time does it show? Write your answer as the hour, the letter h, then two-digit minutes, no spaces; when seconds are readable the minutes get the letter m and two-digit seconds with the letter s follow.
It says 12h57
